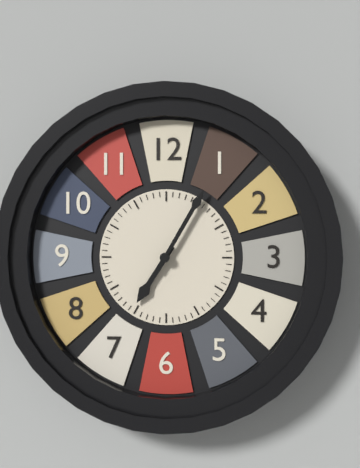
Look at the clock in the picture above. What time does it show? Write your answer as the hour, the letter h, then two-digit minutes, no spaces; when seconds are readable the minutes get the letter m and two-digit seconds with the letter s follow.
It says 7h05
